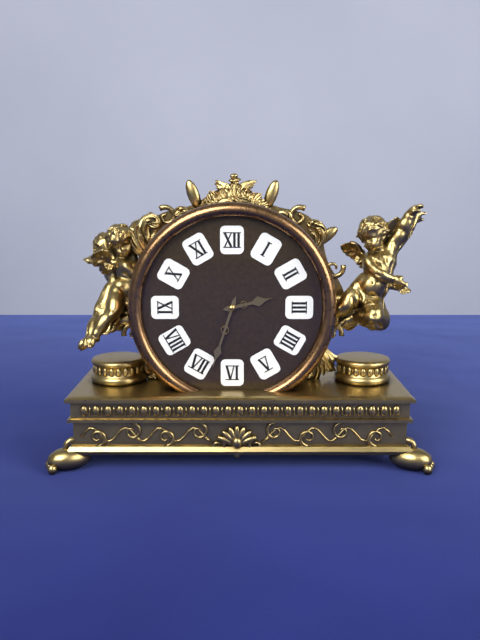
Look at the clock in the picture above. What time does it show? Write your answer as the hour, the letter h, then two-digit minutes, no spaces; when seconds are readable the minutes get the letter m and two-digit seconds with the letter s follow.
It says 2h33
